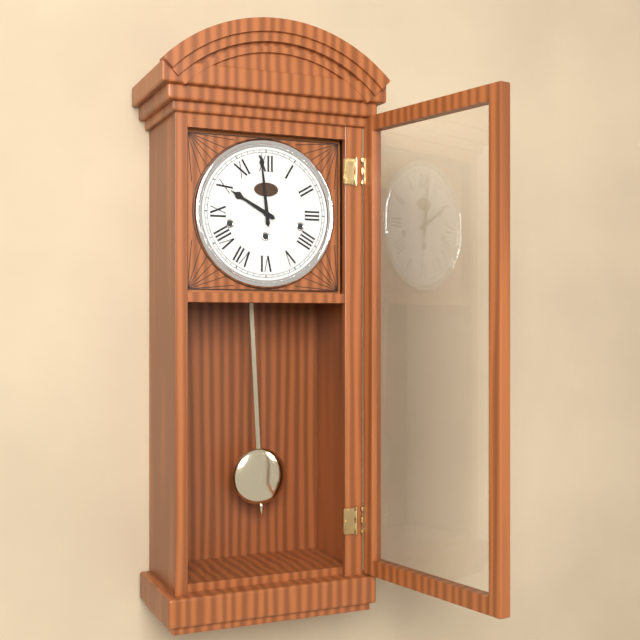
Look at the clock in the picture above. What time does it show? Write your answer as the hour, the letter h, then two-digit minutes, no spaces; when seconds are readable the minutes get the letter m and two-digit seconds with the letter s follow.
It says 9h59
